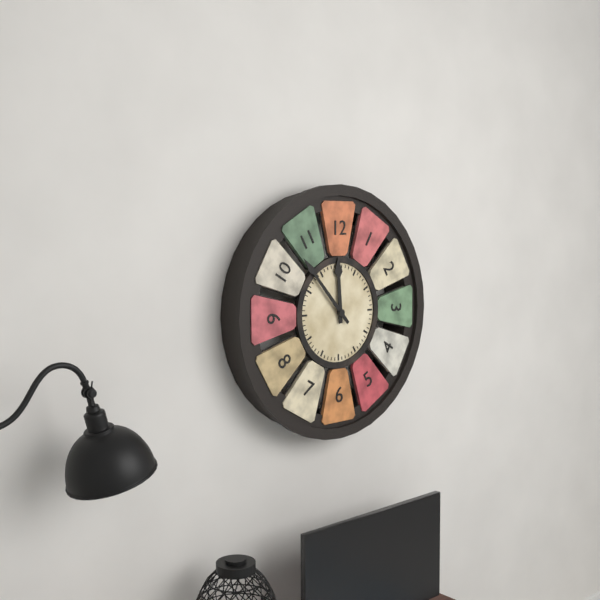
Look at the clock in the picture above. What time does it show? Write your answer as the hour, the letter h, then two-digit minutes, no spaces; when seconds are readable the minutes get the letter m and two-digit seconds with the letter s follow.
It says 11h53
